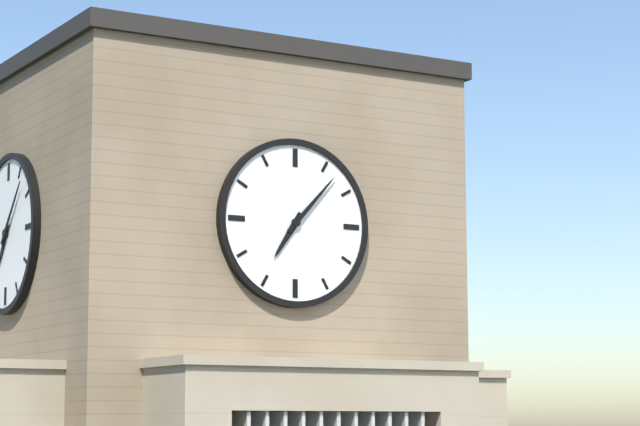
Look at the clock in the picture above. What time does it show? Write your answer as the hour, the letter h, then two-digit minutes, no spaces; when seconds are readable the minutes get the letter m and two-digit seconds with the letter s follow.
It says 7h07
